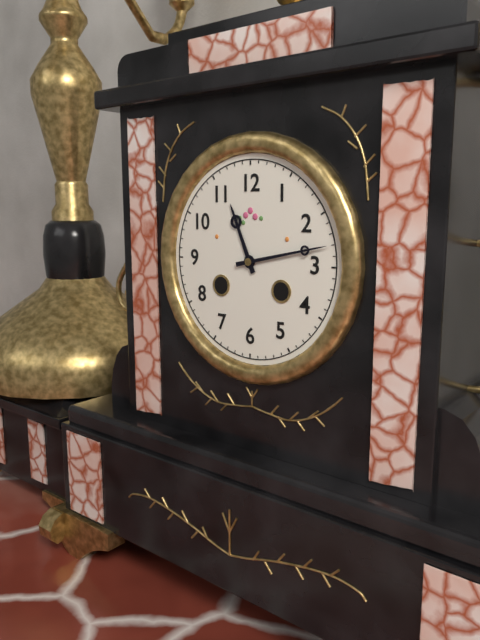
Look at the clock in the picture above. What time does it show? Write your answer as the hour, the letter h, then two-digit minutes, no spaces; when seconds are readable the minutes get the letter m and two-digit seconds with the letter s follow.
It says 11h13
